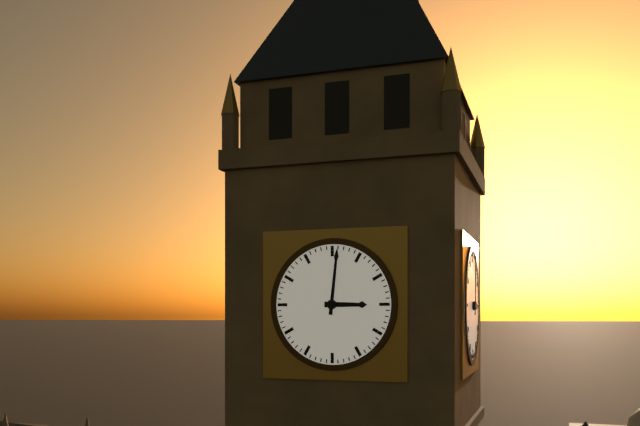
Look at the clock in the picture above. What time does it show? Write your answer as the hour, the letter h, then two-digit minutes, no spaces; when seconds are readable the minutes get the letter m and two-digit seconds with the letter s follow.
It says 3h01
